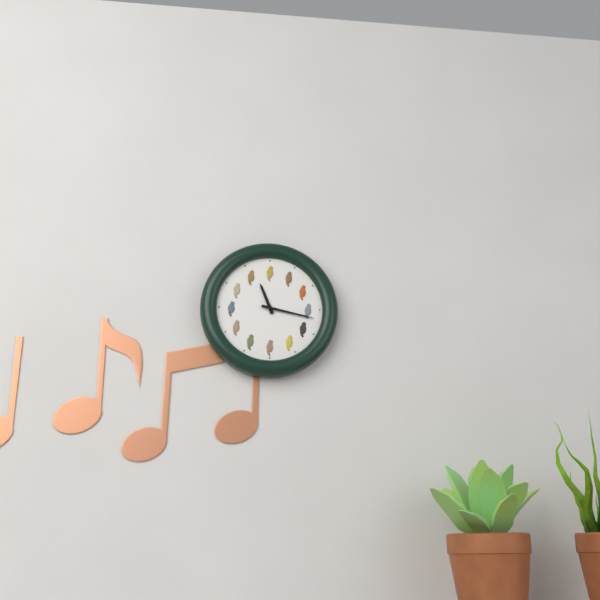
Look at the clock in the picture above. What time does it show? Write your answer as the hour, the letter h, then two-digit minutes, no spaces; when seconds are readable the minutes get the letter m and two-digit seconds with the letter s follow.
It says 11h17
